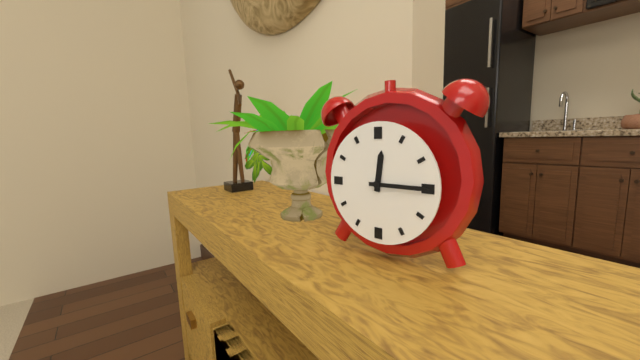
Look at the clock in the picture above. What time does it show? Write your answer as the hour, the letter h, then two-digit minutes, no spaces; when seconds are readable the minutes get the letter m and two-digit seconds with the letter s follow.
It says 12h15
